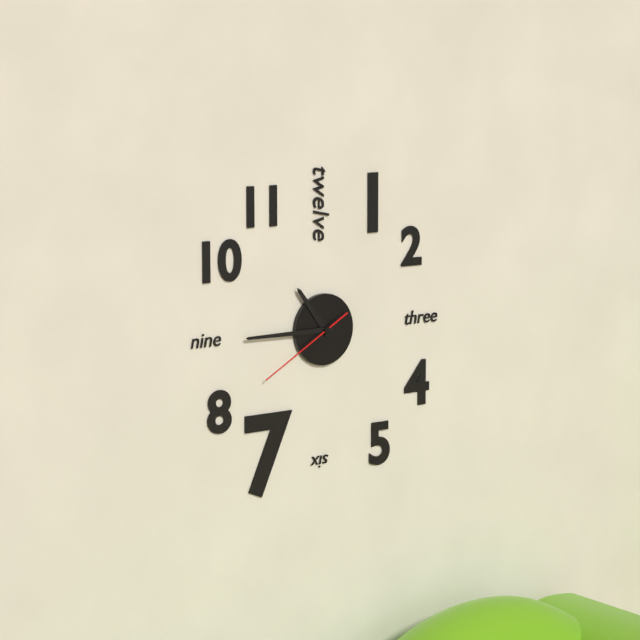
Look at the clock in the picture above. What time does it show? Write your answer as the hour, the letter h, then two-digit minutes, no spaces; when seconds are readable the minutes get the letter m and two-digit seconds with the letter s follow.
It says 10h45m40s
